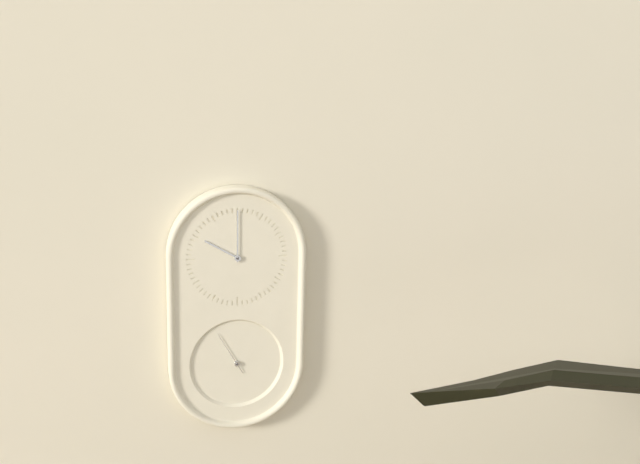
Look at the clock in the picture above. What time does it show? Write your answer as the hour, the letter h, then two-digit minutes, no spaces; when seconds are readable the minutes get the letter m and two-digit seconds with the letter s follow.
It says 10h00
